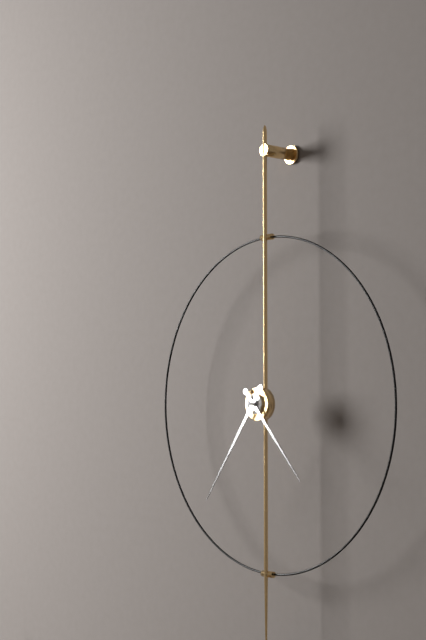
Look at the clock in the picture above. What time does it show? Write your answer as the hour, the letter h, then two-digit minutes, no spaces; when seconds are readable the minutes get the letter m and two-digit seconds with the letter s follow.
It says 4h36
